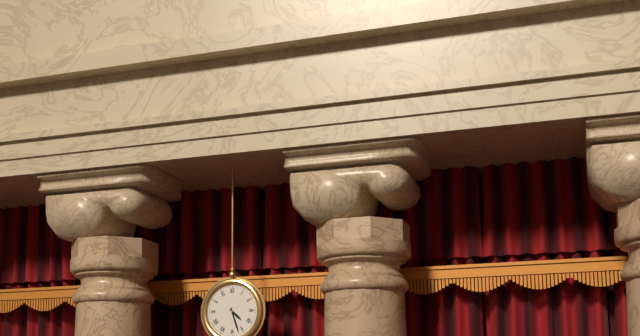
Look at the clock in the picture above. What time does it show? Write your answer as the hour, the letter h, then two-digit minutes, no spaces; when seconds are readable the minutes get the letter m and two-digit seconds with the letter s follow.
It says 4h27
